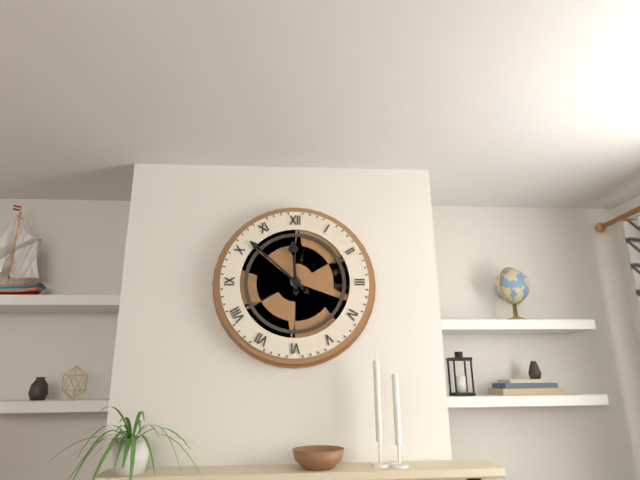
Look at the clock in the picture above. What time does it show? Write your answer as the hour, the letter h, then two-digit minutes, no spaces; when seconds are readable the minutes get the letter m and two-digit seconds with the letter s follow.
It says 11h52
